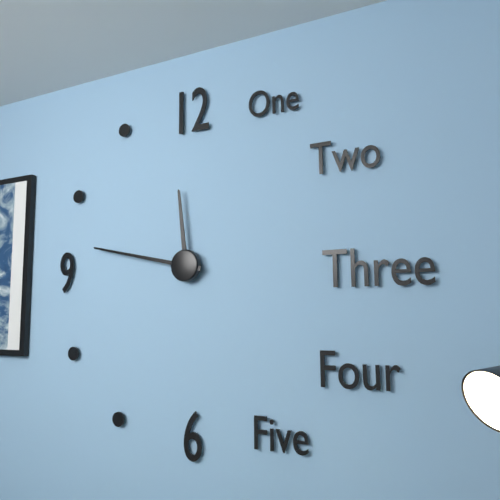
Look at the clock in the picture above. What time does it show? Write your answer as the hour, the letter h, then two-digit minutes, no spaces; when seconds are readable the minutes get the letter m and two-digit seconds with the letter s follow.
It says 11h47
